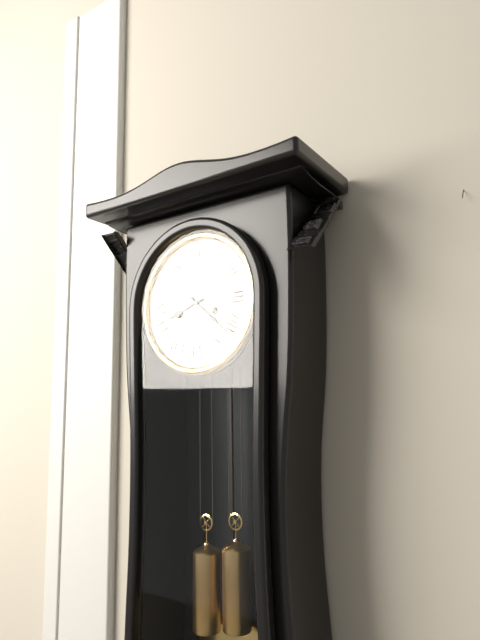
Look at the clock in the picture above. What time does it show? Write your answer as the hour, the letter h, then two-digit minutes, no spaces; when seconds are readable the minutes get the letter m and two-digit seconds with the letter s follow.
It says 8h22
